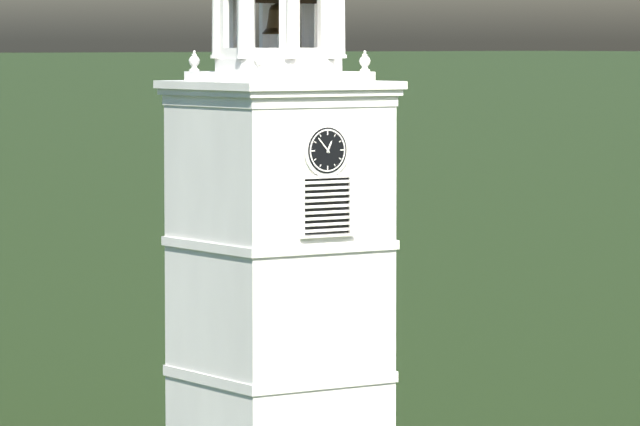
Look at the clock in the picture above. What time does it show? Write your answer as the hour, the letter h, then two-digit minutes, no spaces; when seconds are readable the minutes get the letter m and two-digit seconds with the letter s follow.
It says 12h53
